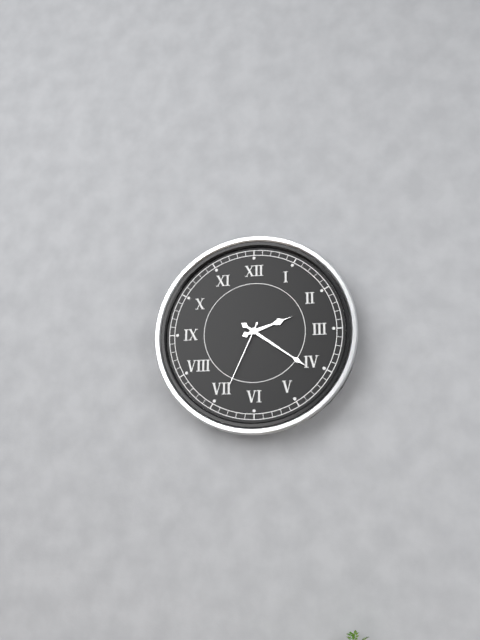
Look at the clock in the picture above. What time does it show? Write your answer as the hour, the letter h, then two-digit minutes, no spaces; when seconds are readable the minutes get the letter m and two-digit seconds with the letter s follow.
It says 2h21m34s
